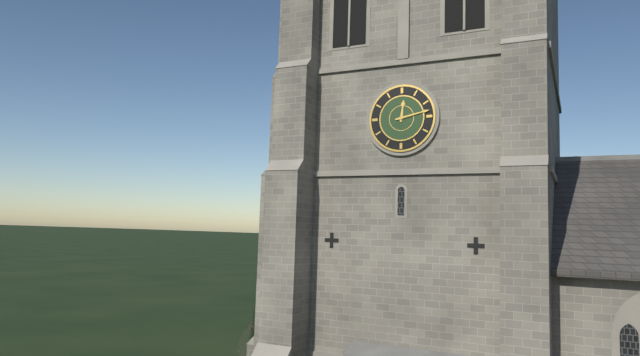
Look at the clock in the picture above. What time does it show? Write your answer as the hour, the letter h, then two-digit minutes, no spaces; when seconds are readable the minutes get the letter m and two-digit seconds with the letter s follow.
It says 12h13
